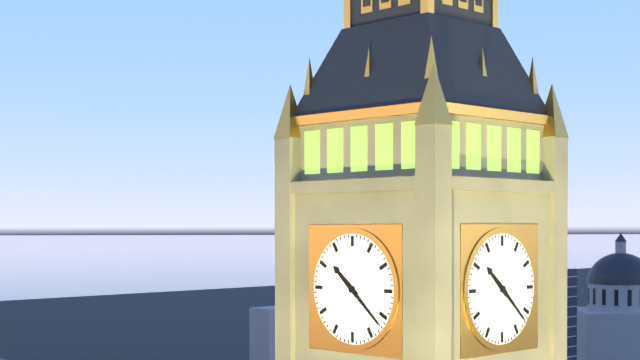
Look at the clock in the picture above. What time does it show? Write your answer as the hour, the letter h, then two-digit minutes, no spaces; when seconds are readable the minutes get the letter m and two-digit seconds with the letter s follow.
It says 10h22
